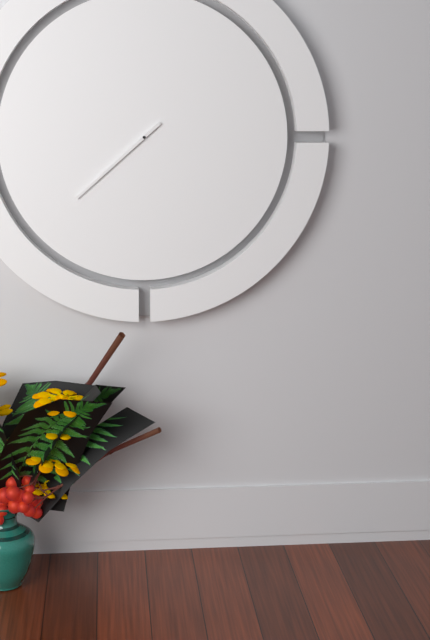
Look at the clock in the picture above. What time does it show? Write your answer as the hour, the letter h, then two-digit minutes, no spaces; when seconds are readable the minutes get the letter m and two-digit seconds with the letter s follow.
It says 7h38
